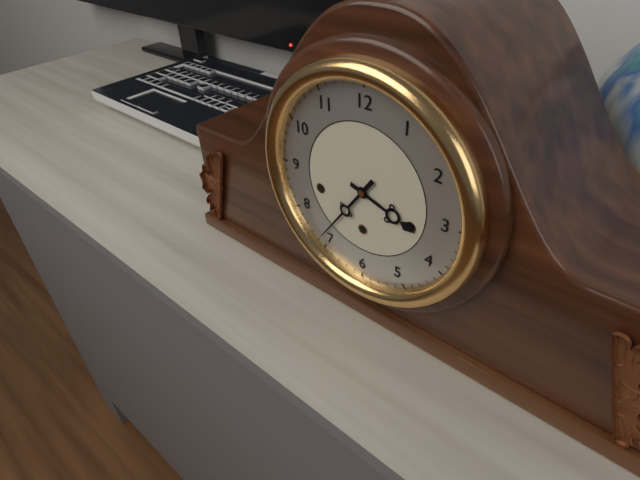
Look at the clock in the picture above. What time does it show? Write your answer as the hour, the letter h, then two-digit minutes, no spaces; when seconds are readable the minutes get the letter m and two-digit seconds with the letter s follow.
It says 3h36
